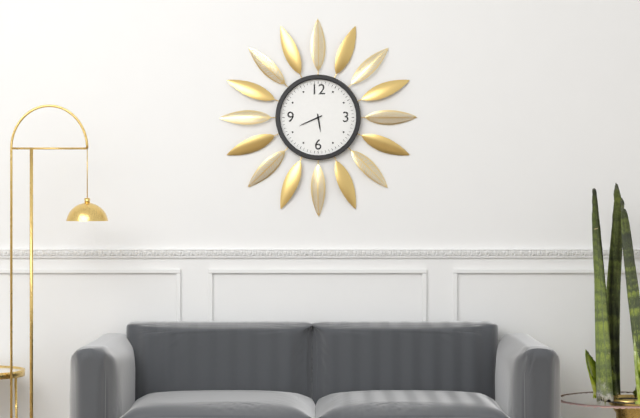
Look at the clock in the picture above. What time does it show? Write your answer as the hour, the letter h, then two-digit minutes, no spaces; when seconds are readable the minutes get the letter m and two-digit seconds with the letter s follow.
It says 5h41
